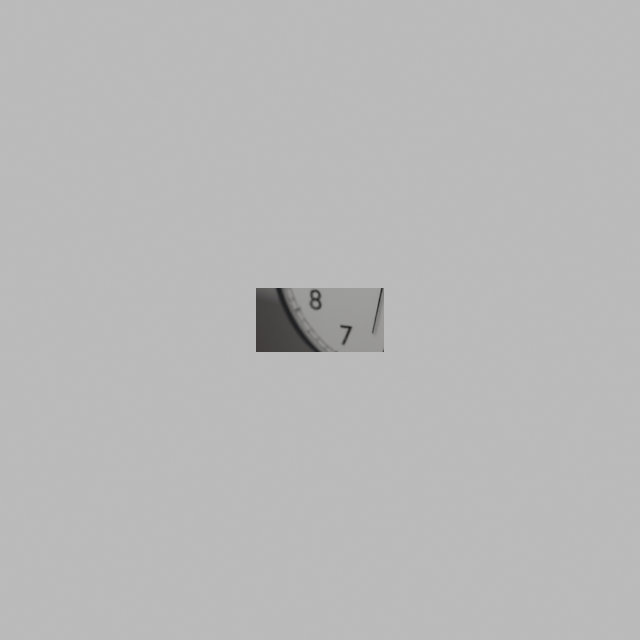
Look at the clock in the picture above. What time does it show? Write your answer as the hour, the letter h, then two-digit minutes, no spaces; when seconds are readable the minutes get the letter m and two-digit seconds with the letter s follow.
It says 10h48m32s
